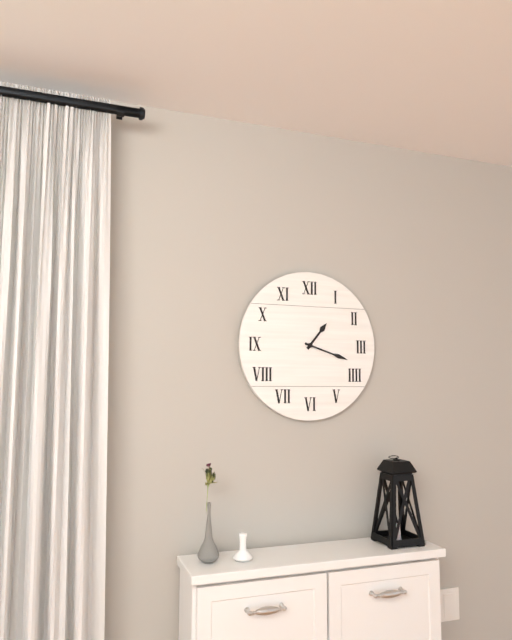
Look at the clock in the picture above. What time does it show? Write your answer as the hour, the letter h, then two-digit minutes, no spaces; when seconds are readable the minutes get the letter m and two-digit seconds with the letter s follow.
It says 1h18
